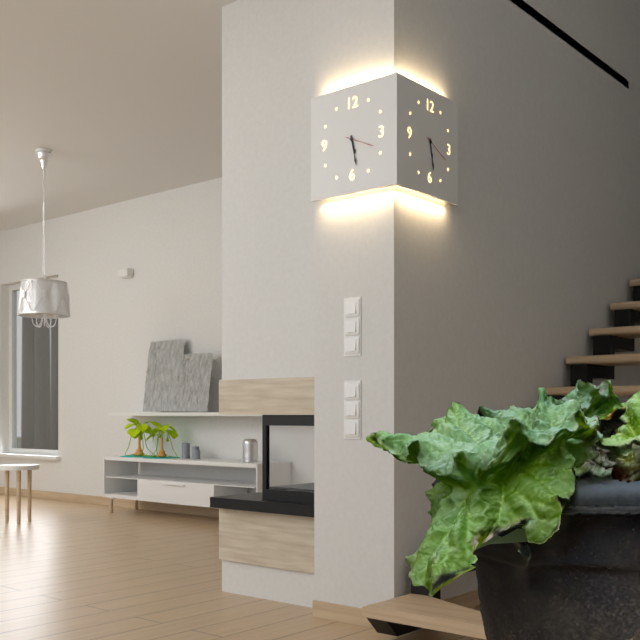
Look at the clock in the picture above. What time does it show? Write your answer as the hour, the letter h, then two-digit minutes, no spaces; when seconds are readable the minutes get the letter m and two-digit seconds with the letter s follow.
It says 5h28
